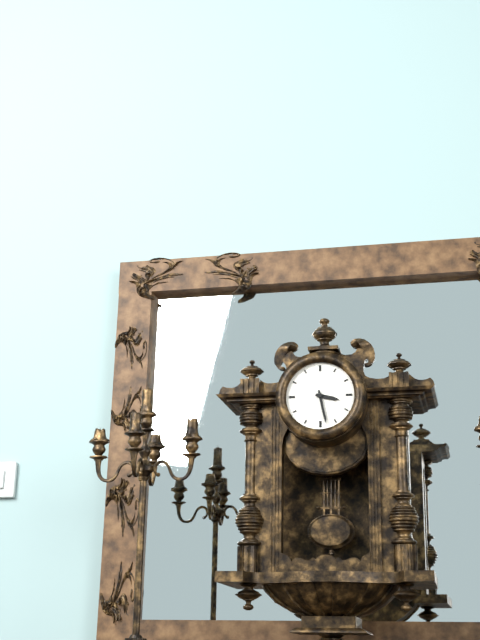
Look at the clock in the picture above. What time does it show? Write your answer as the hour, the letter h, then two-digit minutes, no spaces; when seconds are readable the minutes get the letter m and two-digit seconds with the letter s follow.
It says 3h28
